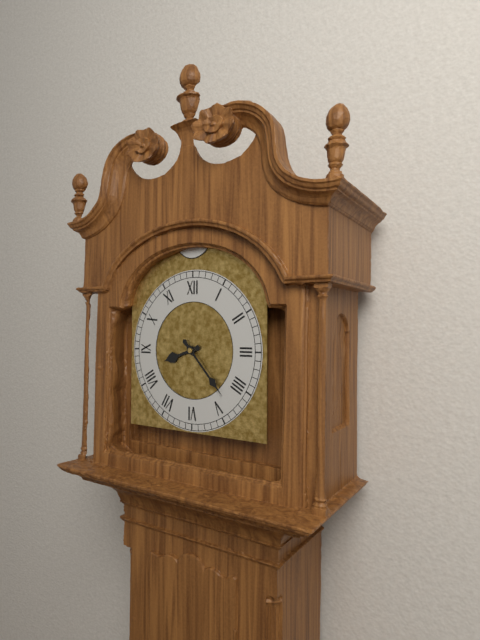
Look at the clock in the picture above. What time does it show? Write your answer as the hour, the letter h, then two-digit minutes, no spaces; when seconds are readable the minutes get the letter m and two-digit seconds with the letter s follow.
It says 8h23
